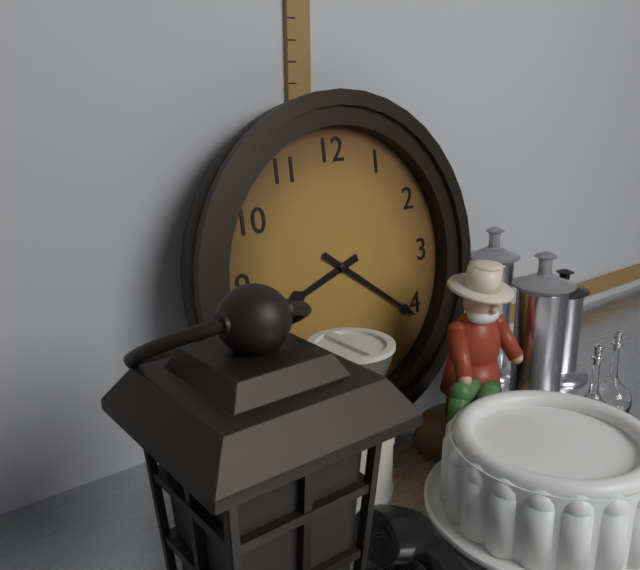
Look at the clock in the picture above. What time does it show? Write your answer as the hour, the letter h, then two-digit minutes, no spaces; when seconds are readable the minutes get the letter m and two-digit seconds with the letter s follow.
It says 8h21
